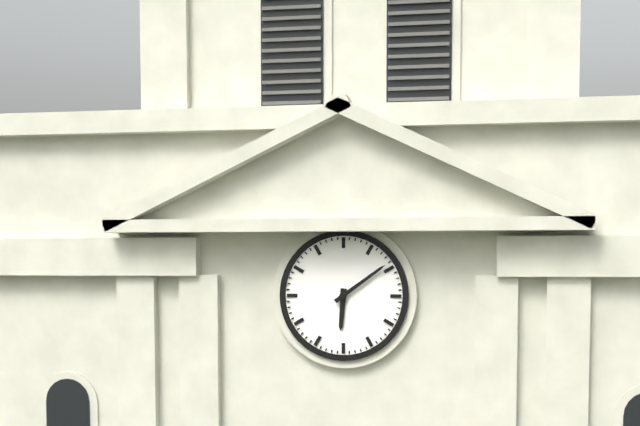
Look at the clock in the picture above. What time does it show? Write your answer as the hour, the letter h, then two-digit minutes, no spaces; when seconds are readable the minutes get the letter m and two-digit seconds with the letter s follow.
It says 6h09
